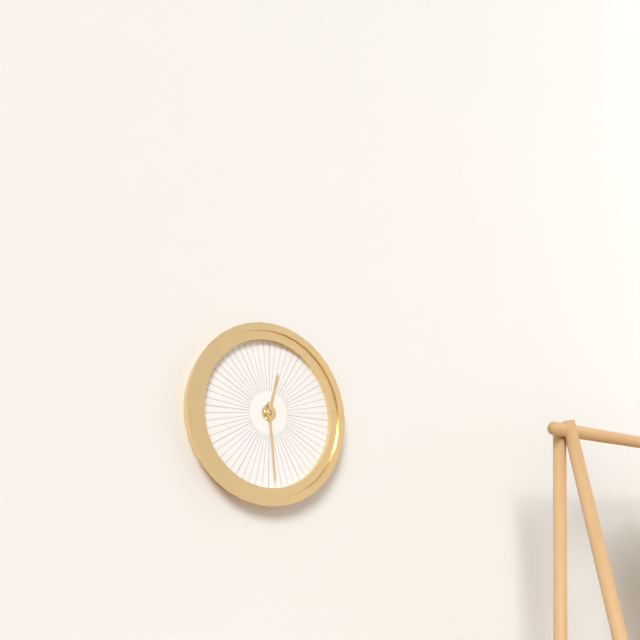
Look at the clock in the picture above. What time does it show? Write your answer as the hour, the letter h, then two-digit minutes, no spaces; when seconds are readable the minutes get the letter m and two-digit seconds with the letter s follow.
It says 12h29
